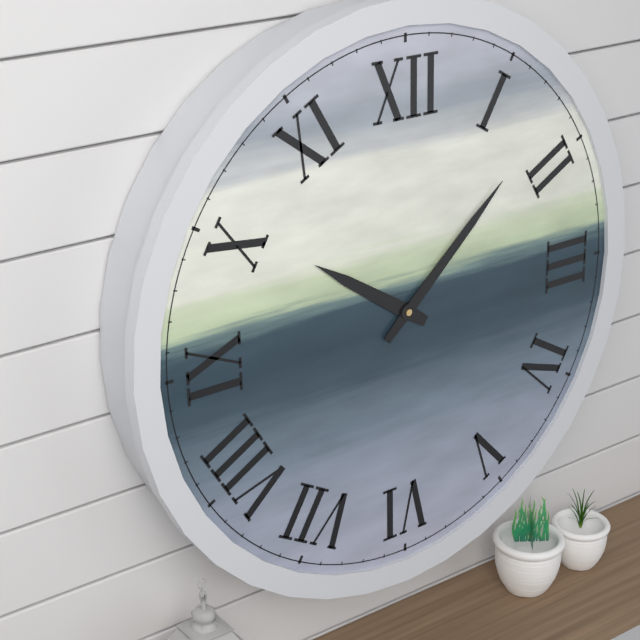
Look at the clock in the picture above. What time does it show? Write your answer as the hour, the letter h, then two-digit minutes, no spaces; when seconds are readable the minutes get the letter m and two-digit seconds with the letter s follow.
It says 10h08
